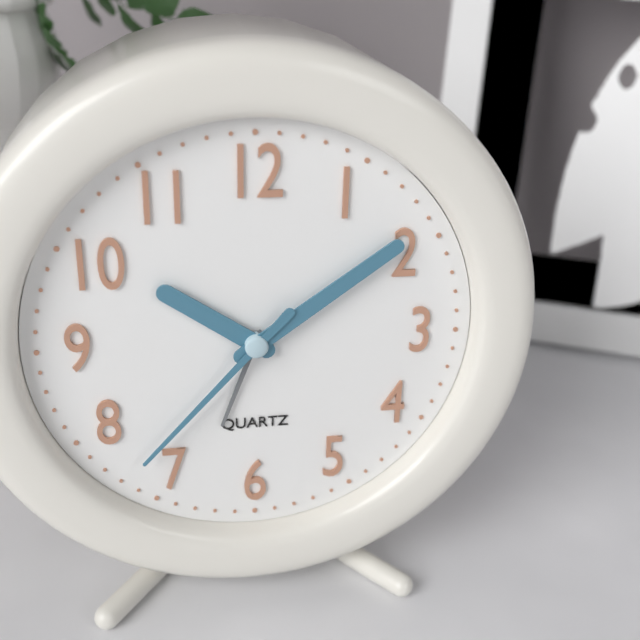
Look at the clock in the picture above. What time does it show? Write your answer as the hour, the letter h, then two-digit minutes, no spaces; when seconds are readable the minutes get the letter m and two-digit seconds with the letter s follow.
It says 10h09m37s
